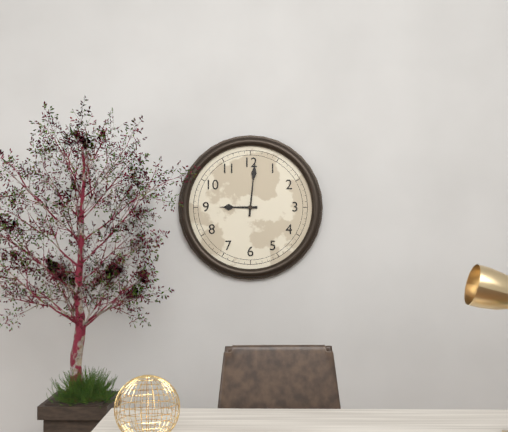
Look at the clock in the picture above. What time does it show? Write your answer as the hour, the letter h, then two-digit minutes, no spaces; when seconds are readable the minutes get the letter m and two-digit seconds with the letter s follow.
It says 9h01
